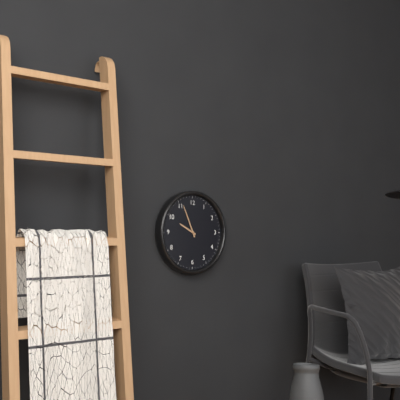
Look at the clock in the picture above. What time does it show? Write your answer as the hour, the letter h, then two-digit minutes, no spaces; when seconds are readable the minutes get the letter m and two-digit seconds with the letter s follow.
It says 9h56
